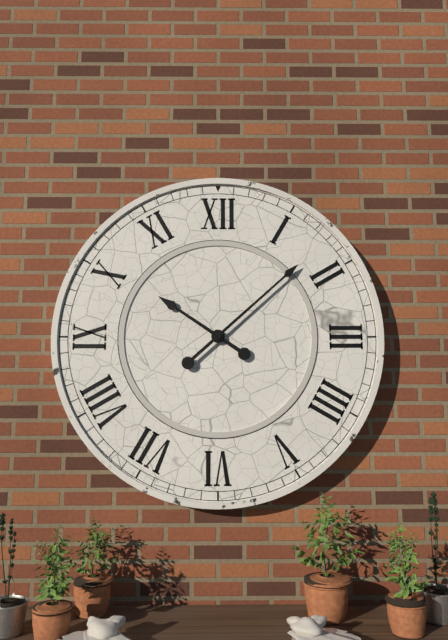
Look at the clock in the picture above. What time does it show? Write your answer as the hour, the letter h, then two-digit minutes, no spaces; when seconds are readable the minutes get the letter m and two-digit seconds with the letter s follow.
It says 10h08
